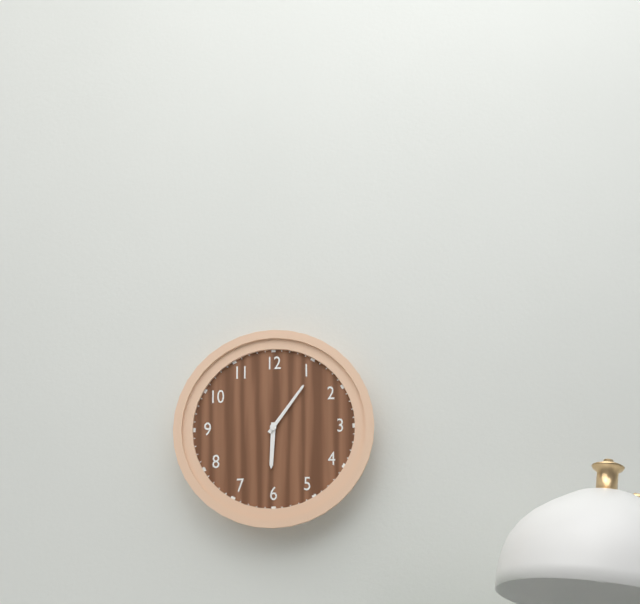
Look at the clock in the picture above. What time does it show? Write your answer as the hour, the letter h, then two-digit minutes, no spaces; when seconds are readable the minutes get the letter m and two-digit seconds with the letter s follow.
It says 6h06
